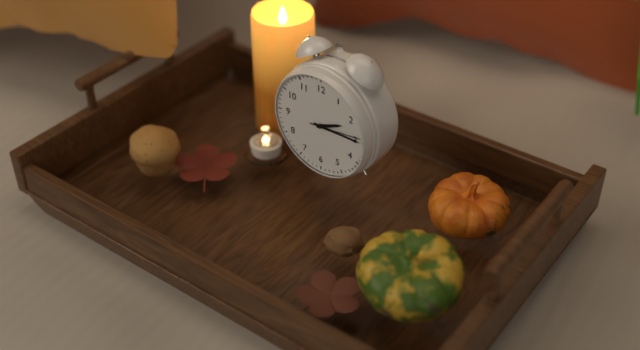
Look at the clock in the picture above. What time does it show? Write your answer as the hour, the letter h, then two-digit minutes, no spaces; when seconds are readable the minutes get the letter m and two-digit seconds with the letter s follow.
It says 2h15m14s
